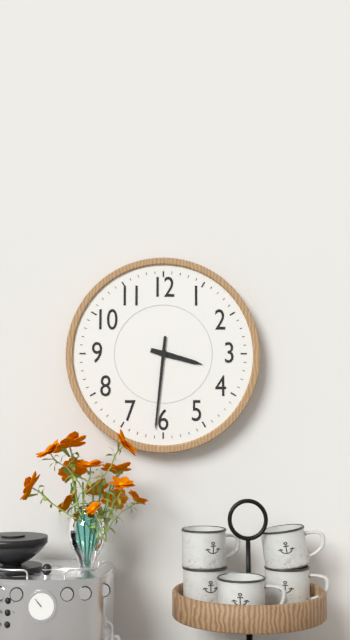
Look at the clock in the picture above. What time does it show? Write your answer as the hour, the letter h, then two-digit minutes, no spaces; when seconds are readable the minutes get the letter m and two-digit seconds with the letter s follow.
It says 3h31
